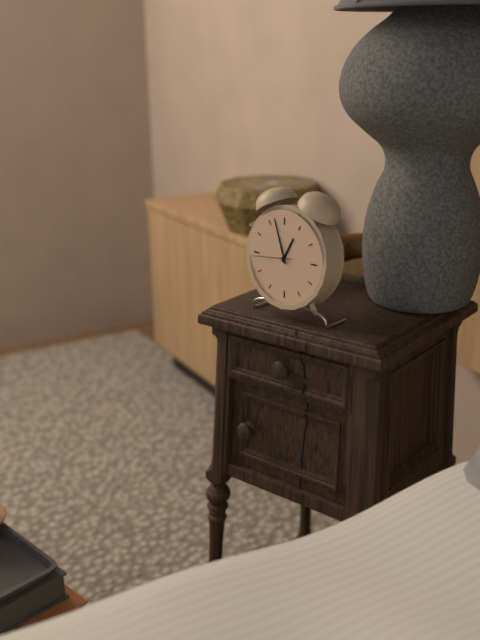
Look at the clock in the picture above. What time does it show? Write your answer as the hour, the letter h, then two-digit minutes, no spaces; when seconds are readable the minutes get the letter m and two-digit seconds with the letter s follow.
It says 12h57
